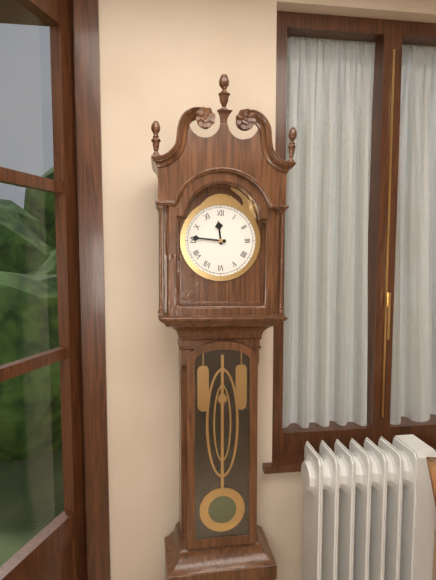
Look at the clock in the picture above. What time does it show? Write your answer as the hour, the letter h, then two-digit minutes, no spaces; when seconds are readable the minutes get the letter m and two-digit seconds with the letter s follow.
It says 11h46
